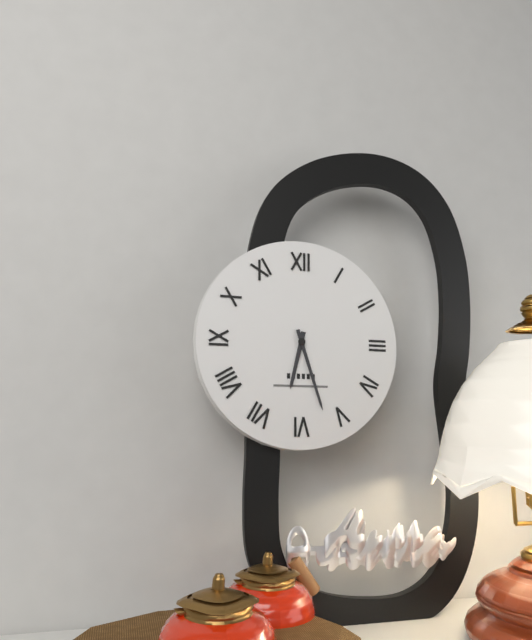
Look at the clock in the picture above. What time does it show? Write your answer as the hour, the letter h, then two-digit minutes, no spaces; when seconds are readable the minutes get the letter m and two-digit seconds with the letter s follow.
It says 6h27
